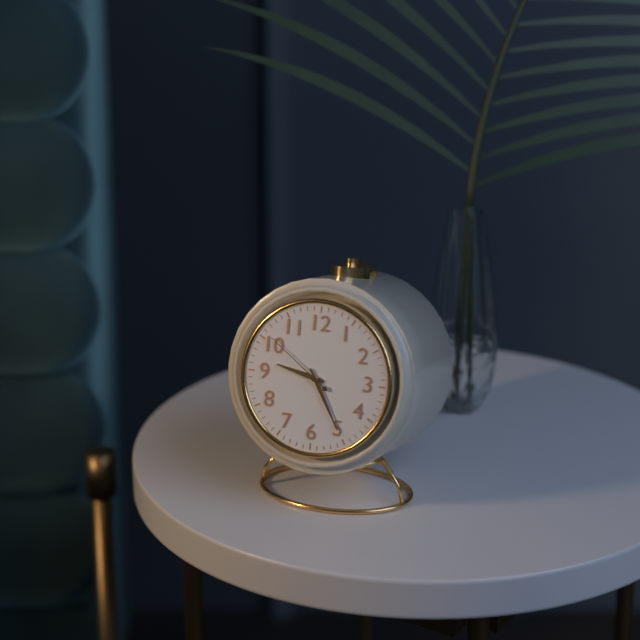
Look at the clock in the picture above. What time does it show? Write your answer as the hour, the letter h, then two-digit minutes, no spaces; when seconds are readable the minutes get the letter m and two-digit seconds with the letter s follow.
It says 9h25m51s
